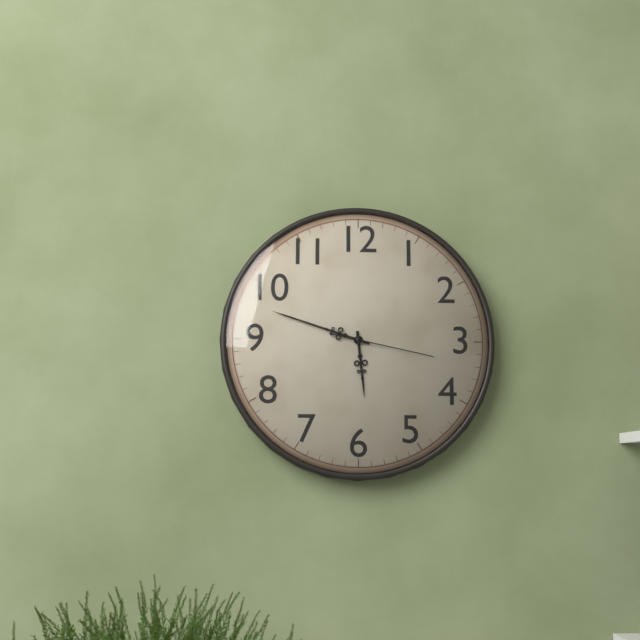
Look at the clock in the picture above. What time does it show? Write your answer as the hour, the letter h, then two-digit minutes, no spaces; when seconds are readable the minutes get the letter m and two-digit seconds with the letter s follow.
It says 5h48m17s
